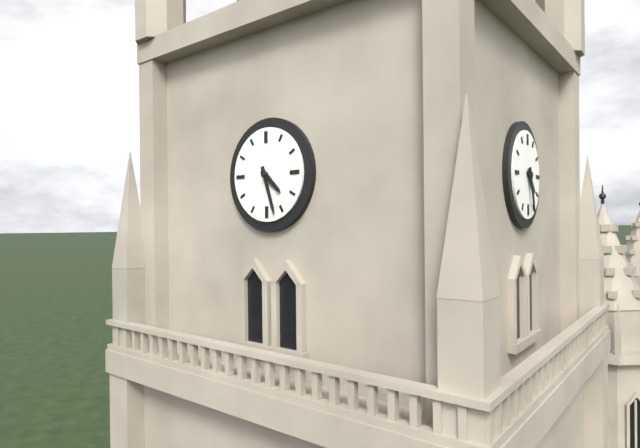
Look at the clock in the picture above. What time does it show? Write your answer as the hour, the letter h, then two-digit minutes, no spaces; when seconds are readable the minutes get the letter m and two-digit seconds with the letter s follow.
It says 4h27
